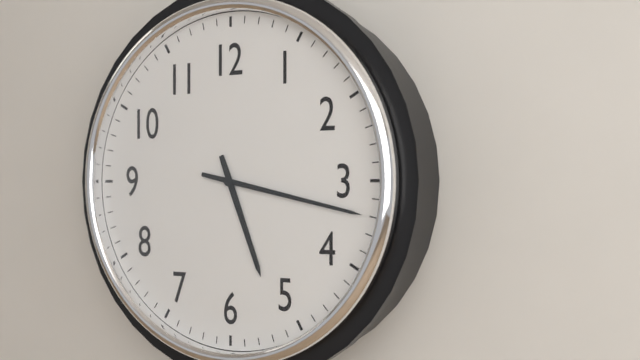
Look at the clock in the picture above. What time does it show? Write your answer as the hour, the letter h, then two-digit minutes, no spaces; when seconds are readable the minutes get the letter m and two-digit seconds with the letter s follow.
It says 5h17
